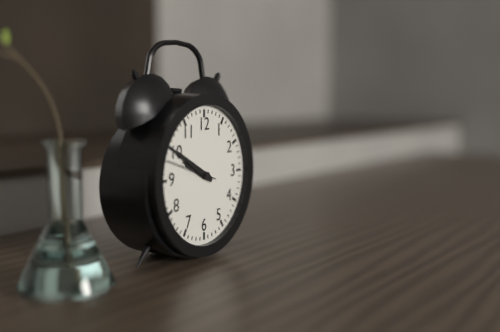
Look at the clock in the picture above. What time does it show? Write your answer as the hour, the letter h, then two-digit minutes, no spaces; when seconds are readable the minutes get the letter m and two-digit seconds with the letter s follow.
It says 9h50
